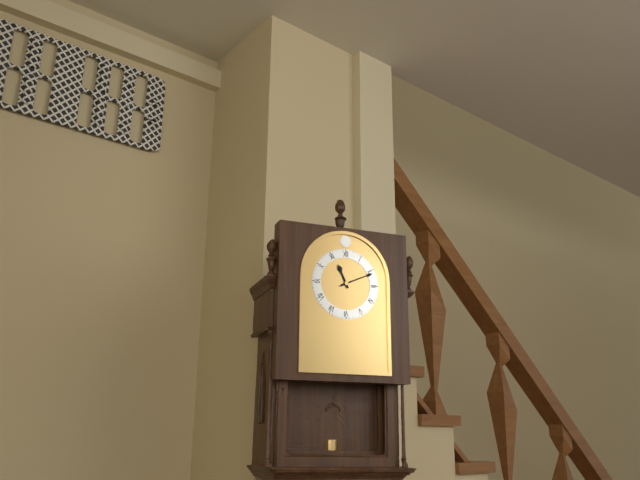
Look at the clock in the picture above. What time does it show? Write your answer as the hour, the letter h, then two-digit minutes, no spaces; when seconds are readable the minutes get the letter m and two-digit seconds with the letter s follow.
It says 11h11
